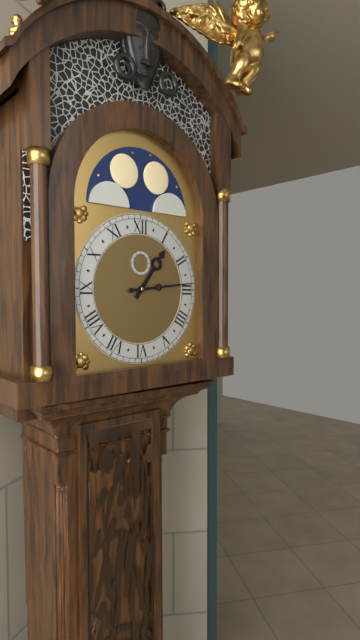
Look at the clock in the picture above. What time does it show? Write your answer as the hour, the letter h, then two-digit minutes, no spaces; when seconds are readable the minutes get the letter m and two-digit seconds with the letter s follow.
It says 1h14
